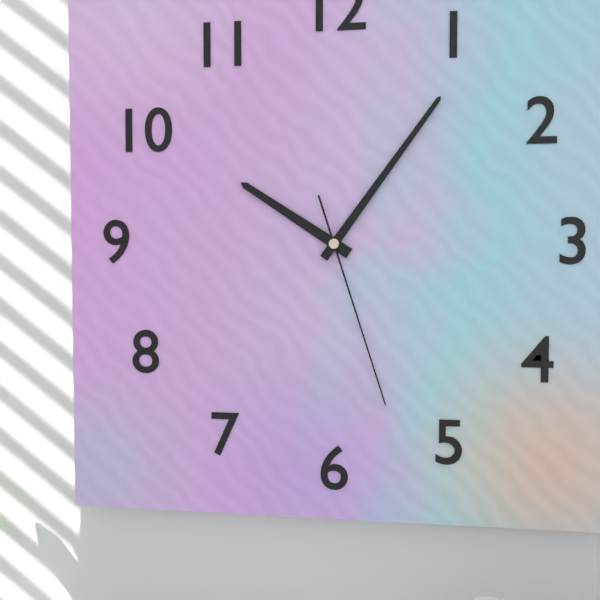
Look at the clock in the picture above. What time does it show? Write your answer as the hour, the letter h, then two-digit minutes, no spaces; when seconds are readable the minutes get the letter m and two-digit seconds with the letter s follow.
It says 10h06m27s
